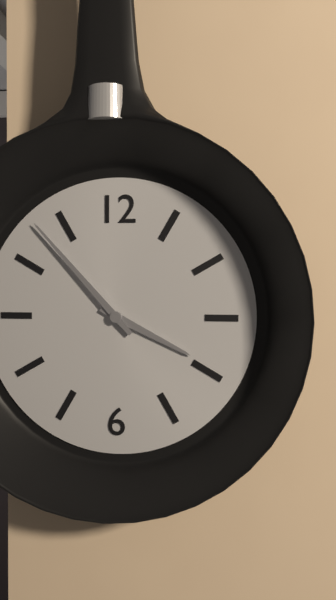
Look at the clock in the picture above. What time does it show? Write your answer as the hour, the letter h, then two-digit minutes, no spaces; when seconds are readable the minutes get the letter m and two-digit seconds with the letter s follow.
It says 3h53
